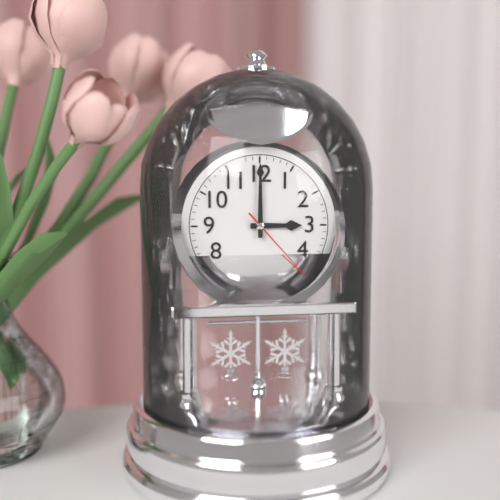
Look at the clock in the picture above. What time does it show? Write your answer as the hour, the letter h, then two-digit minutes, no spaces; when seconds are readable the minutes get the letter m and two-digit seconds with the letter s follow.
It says 3h00m23s
